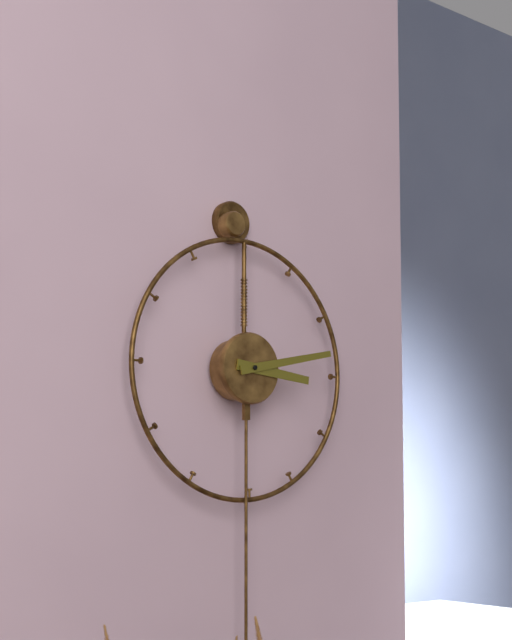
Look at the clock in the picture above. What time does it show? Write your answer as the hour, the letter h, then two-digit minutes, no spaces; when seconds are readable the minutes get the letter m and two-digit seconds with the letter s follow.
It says 3h13
